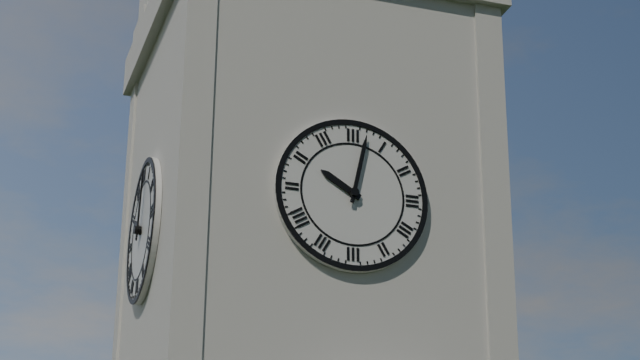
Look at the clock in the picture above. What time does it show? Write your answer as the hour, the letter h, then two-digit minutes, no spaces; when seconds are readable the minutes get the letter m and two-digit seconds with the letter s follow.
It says 10h02
